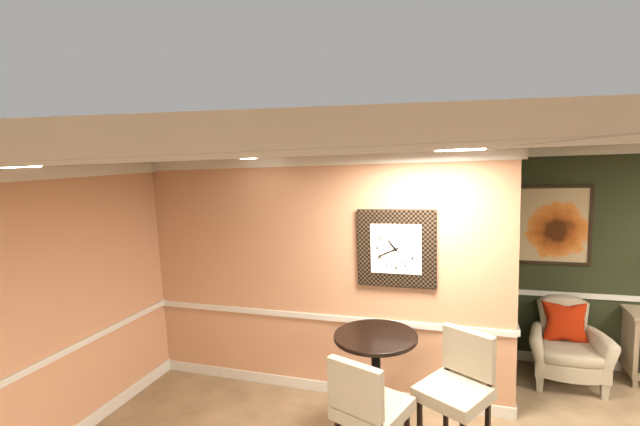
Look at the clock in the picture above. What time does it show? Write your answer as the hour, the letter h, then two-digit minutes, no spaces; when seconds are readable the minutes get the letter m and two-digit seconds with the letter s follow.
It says 10h41
